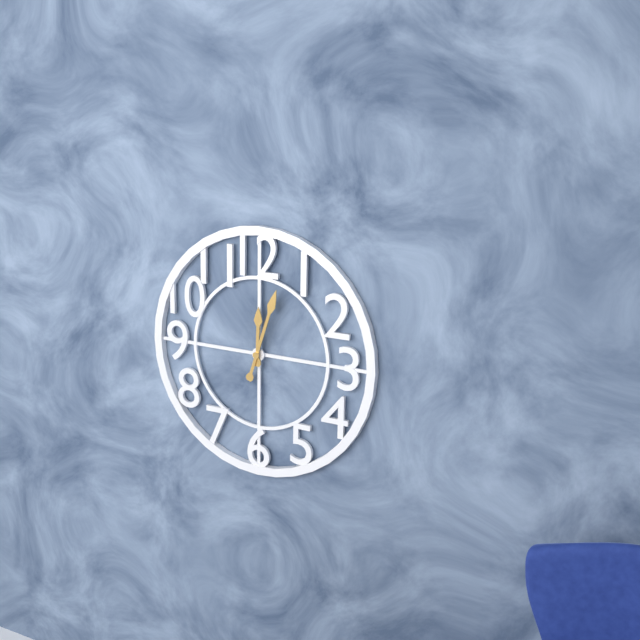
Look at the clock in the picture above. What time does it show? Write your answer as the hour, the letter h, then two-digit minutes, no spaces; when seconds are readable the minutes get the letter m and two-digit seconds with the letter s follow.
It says 12h03
